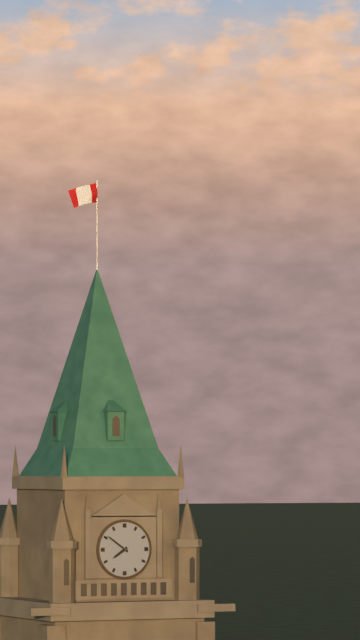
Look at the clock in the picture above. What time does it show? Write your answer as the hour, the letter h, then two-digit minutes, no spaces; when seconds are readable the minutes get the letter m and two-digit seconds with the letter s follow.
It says 7h51
